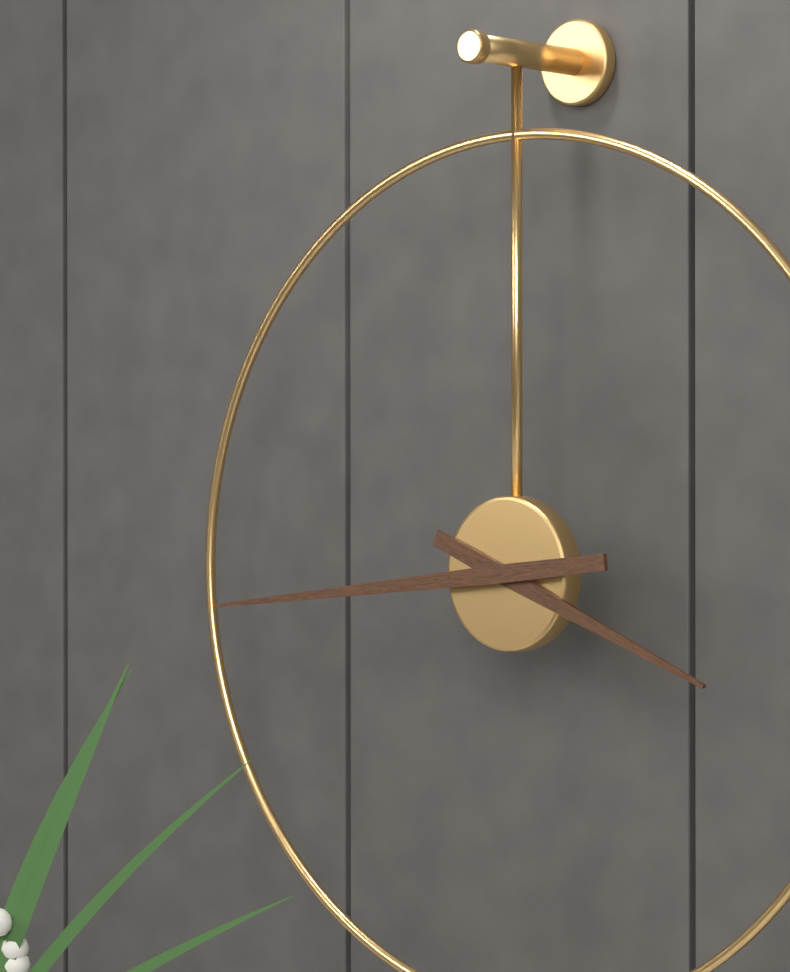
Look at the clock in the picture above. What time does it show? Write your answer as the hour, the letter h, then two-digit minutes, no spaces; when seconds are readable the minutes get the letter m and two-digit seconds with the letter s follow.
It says 3h44
